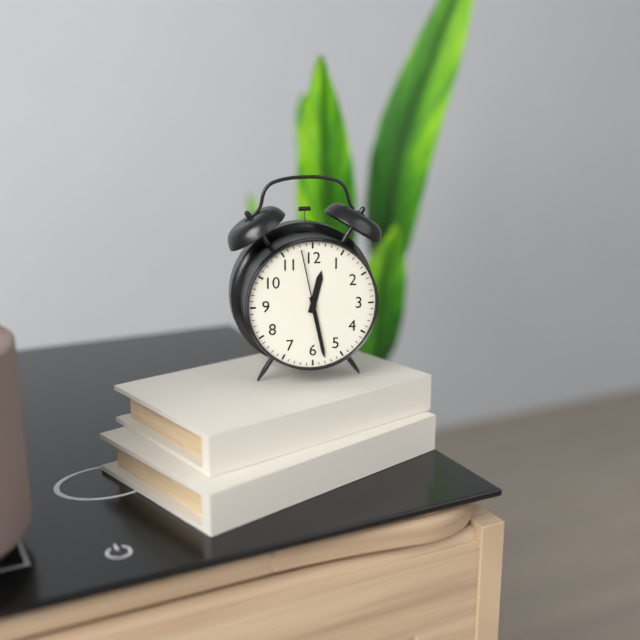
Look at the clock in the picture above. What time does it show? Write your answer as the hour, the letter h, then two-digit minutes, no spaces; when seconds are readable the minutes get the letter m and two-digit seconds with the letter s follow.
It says 12h28m58s
